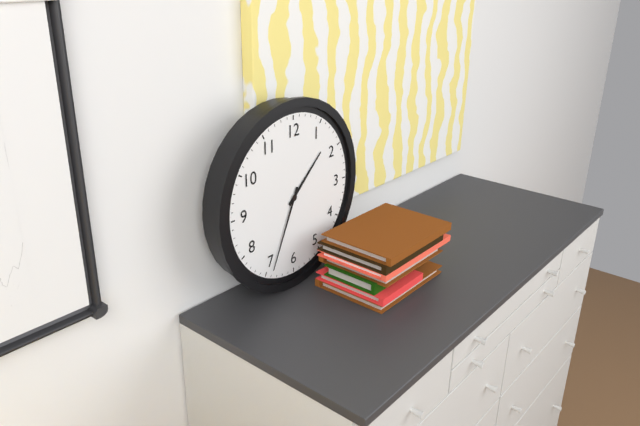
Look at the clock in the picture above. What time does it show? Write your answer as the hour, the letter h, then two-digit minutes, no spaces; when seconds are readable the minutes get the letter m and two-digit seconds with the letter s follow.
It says 1h34
